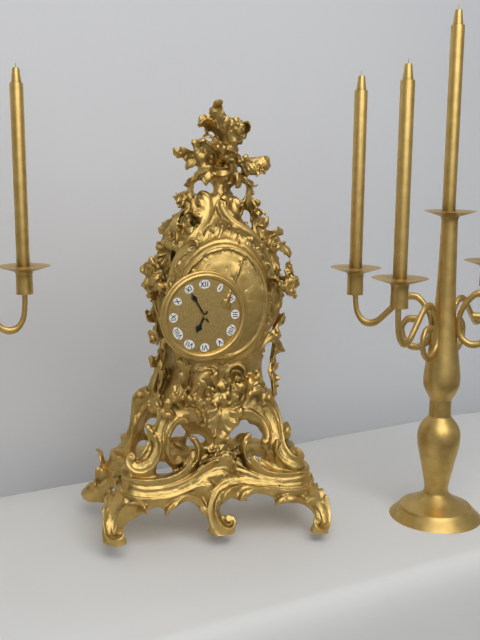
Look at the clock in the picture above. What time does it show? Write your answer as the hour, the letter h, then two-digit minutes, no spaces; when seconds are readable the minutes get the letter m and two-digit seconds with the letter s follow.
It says 6h55
